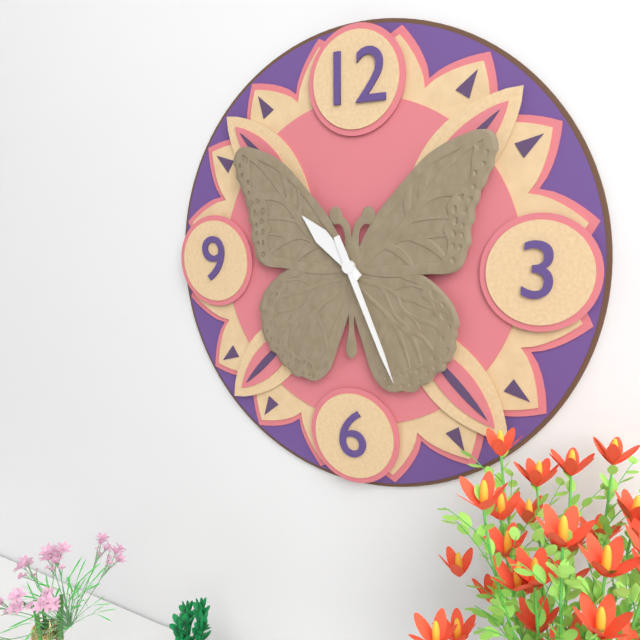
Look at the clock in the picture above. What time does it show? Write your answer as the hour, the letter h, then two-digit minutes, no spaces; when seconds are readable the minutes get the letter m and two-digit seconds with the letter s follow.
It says 10h26
